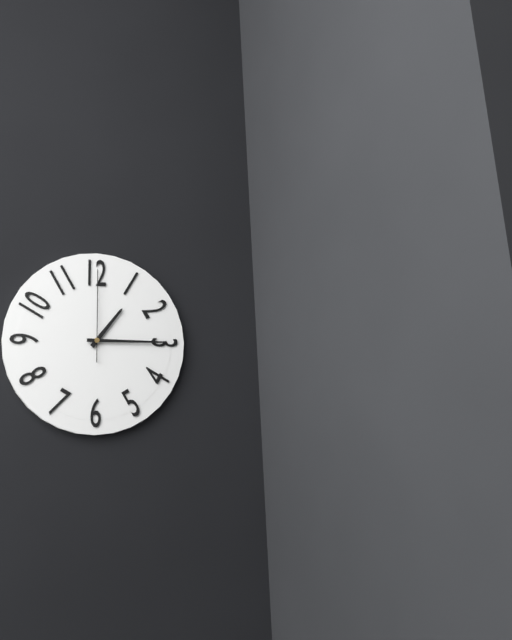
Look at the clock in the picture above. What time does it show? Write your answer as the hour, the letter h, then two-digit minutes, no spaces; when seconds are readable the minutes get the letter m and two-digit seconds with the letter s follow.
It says 1h15m00s
